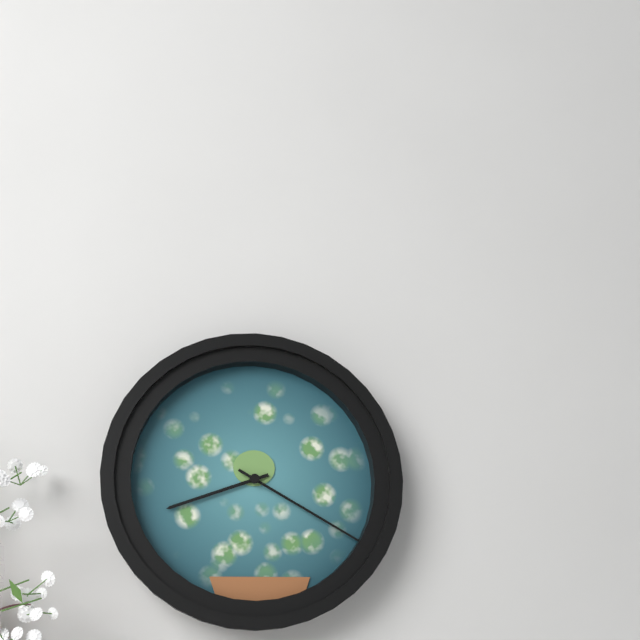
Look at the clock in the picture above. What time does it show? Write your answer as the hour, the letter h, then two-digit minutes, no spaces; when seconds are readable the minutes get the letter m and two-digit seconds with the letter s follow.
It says 8h20
